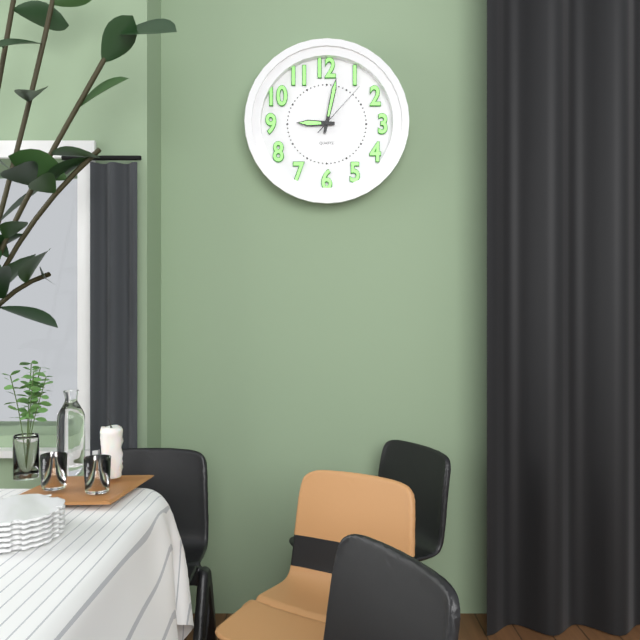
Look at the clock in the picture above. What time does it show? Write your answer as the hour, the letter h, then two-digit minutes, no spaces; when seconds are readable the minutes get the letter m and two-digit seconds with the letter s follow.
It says 9h02m07s
